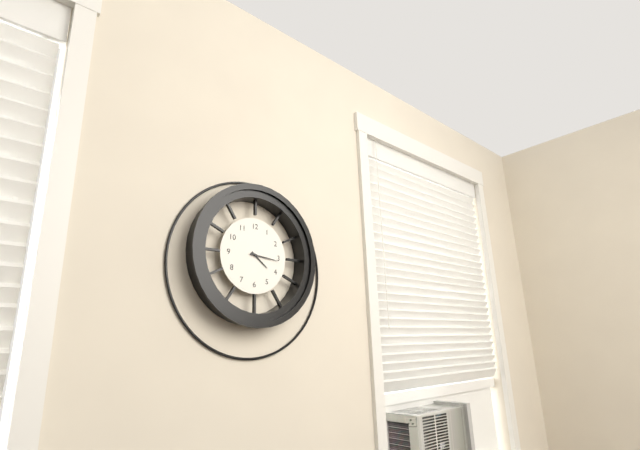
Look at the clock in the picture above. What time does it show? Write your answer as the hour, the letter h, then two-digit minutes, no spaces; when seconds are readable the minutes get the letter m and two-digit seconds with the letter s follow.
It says 4h16
